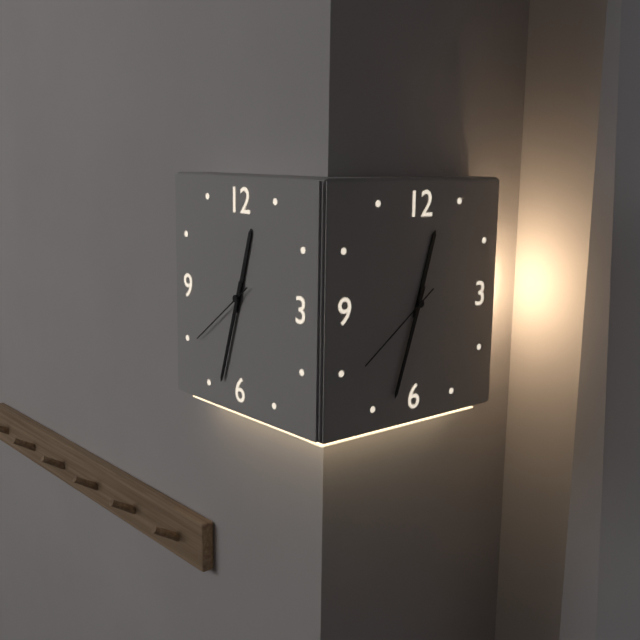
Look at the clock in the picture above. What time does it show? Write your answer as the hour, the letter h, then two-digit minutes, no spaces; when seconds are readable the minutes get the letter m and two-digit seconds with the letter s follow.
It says 12h33m39s
